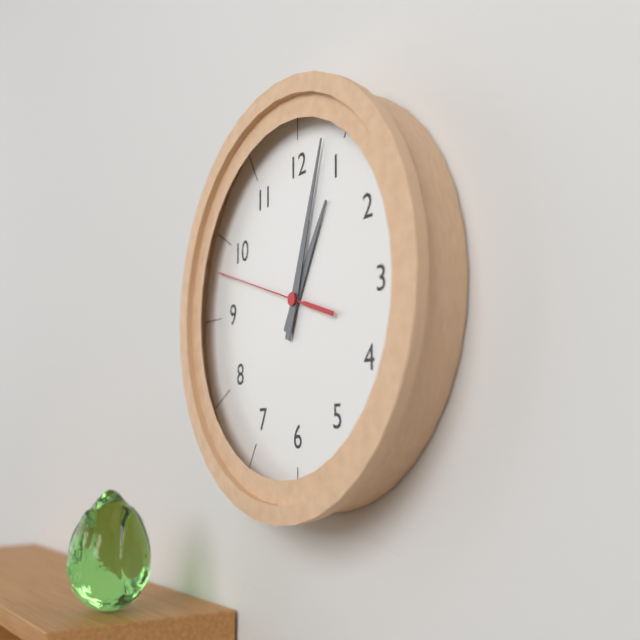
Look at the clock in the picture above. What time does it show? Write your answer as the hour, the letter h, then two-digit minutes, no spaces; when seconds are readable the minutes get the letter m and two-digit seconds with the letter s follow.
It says 1h03m48s
